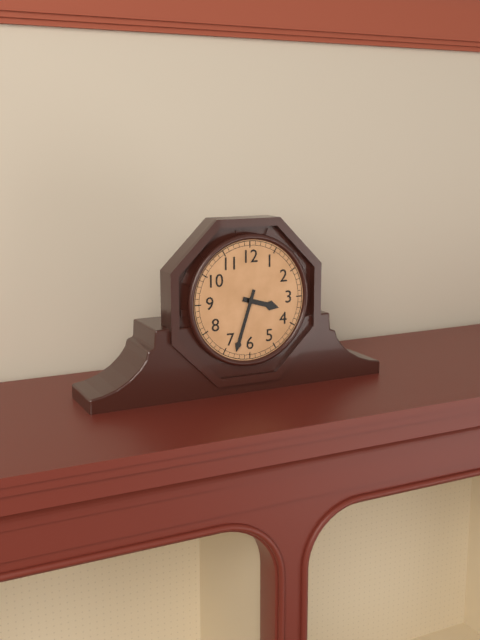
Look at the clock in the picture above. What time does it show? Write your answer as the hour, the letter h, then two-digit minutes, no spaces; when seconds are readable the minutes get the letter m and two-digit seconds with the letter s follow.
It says 3h33
